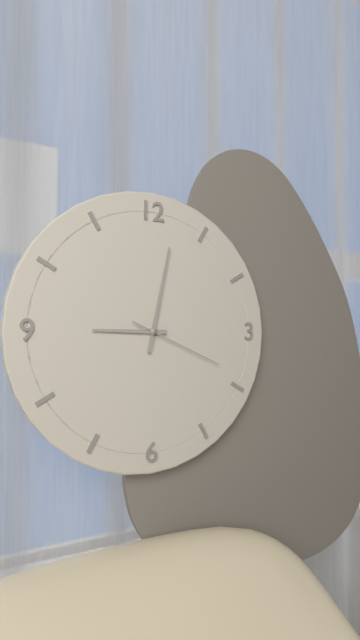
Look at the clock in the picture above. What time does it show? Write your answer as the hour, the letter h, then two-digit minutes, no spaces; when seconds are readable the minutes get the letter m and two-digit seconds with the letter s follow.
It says 9h02m19s
